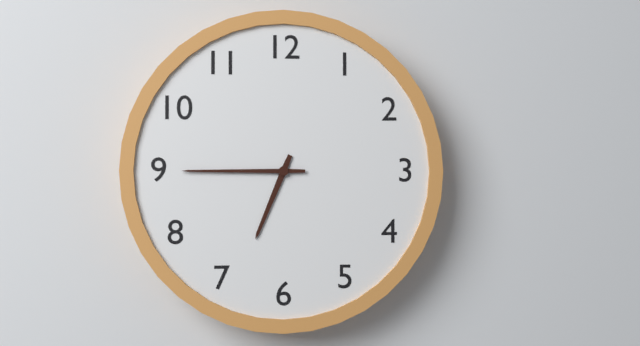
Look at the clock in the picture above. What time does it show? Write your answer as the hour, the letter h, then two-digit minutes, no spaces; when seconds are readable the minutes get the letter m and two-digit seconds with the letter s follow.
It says 6h45
